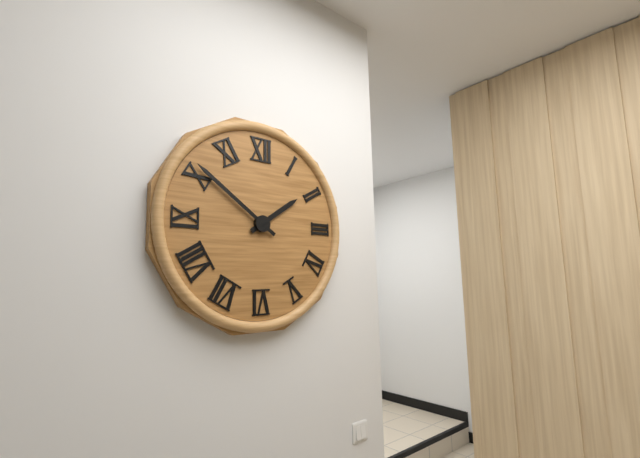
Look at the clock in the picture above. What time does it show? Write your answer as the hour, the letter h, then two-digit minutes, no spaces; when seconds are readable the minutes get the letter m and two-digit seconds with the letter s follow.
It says 1h51
